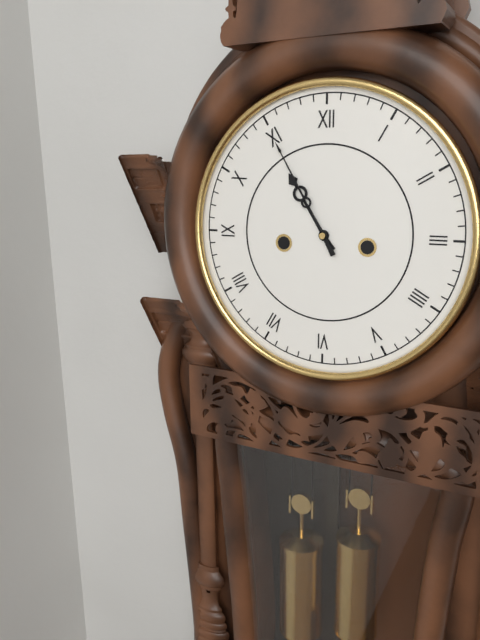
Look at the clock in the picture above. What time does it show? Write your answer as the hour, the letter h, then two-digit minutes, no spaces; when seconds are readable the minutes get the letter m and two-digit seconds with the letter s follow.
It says 10h55
